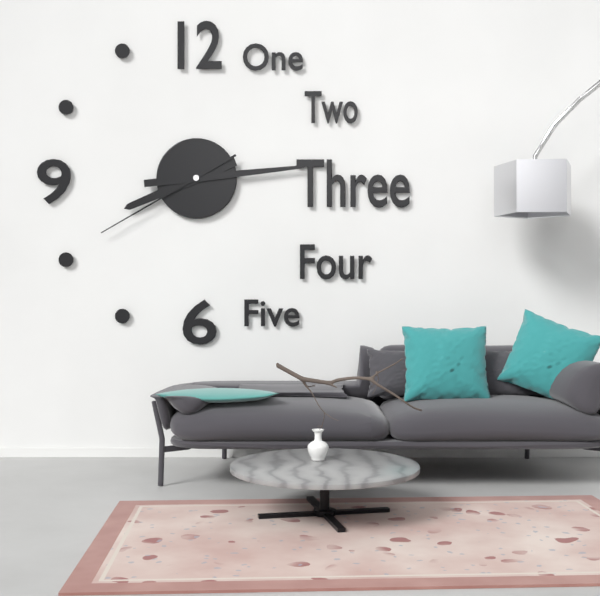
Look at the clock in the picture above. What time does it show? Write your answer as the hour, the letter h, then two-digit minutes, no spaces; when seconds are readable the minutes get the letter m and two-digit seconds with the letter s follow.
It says 8h14m40s
